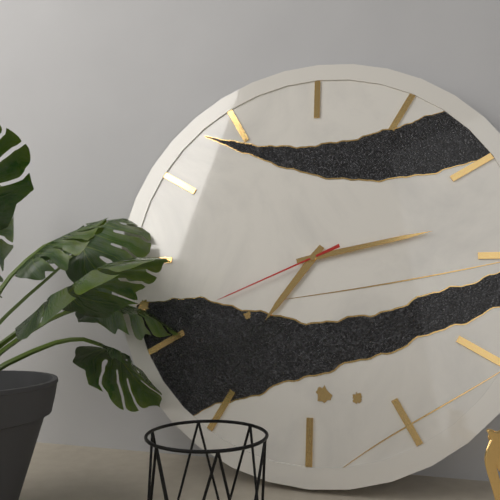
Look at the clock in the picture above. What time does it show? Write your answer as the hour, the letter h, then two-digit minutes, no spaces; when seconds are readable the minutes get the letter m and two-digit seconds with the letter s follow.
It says 7h13m41s
